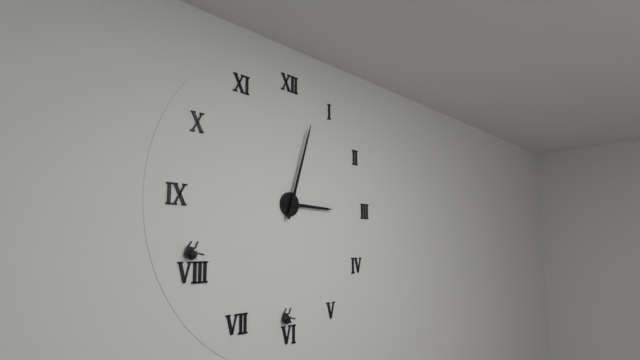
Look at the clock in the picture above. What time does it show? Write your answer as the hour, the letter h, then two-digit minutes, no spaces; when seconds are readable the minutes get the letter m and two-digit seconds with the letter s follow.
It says 3h03
